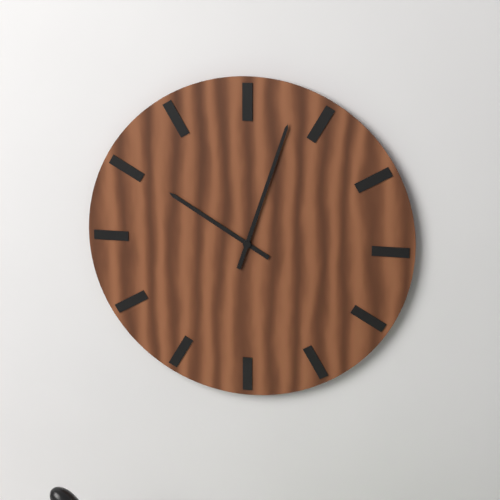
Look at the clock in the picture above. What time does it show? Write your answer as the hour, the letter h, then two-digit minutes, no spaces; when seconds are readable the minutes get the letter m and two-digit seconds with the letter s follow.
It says 10h03
